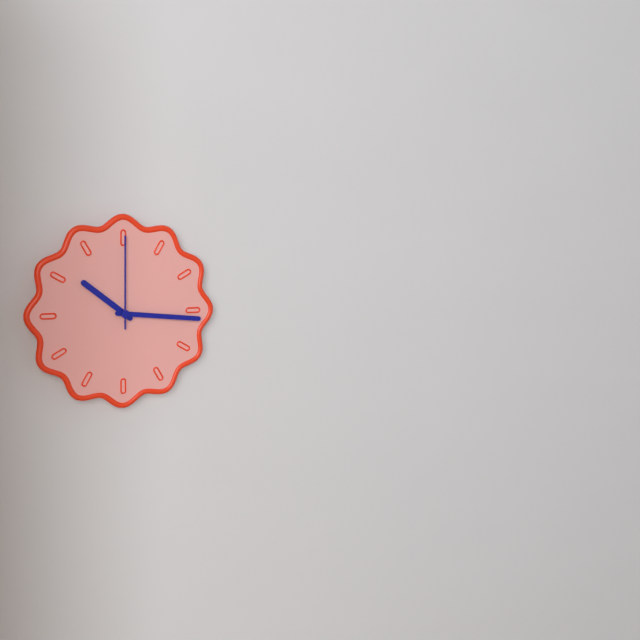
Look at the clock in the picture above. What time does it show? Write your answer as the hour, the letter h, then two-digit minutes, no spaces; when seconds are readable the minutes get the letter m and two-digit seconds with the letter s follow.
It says 10h16m00s
